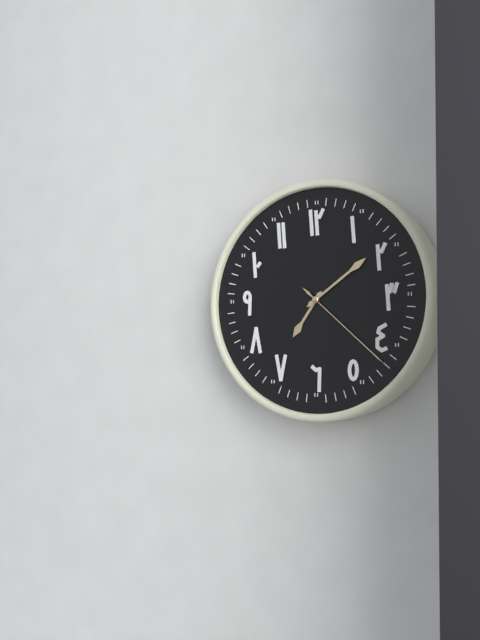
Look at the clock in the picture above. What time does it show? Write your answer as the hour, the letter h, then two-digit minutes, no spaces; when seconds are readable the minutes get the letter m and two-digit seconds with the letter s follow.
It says 7h09m22s
